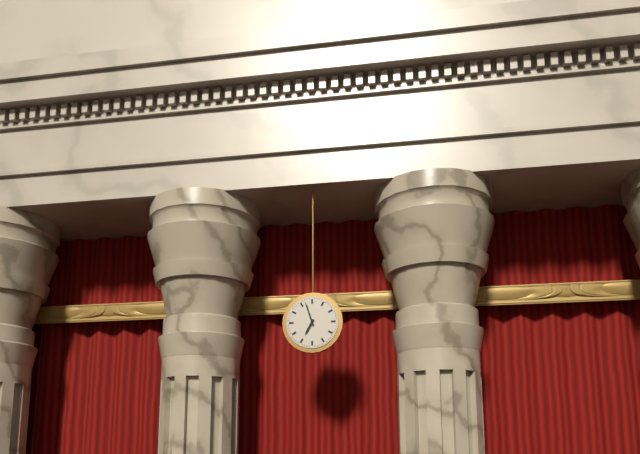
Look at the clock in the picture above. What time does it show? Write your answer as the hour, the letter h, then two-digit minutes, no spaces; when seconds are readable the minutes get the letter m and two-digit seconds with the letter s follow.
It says 6h57
